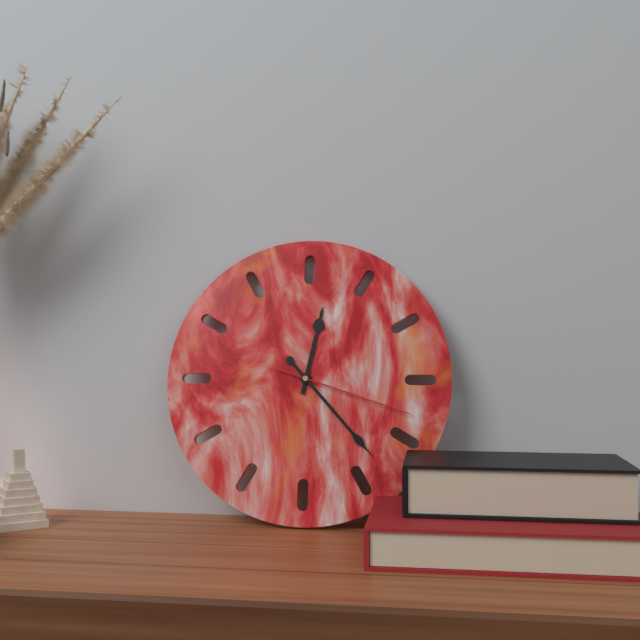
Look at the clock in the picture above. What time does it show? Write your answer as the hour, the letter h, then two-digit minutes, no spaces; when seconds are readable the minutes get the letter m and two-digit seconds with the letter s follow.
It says 12h23m18s
